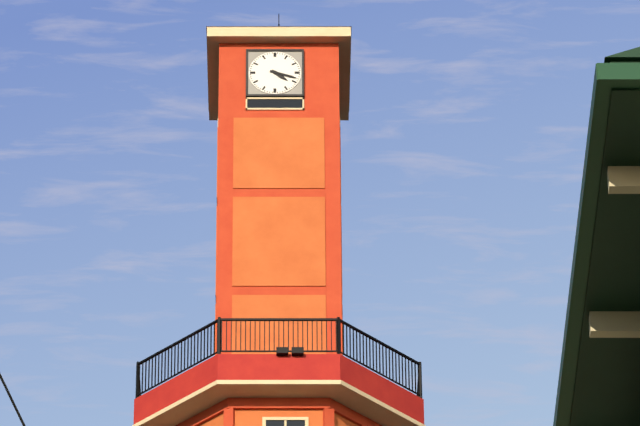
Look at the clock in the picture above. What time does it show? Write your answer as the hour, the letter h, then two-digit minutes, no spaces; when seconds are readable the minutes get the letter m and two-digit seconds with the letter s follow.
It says 4h18
